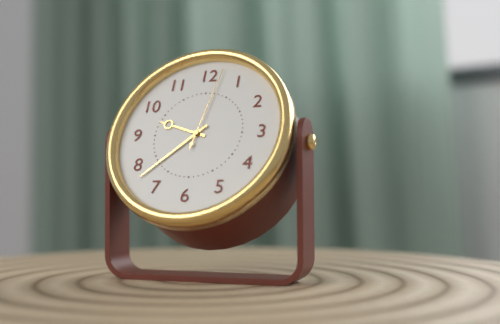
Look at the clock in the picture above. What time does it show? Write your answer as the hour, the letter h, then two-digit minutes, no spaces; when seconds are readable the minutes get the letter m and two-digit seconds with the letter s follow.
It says 9h38m02s
